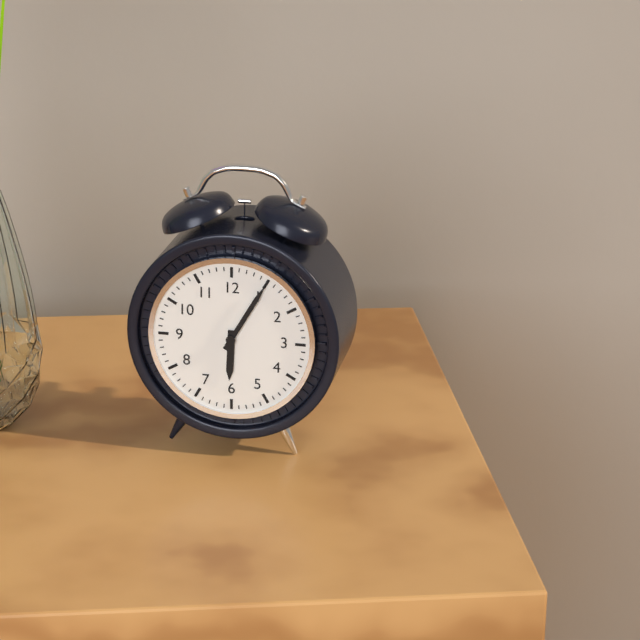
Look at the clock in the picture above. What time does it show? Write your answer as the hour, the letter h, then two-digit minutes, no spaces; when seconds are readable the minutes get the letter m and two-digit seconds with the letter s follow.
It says 6h05
